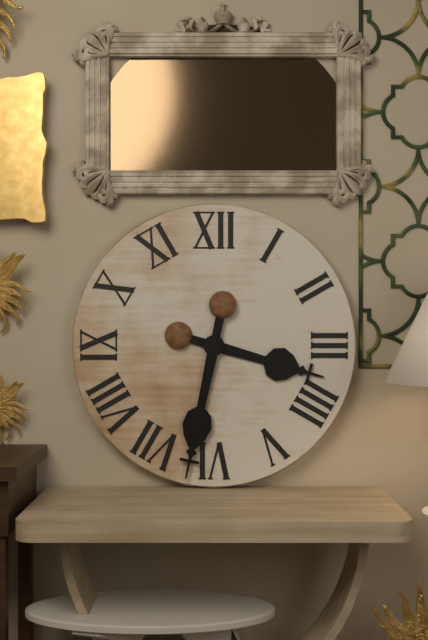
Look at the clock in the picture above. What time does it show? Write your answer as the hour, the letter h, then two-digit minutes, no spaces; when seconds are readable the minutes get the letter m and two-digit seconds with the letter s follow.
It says 3h32
